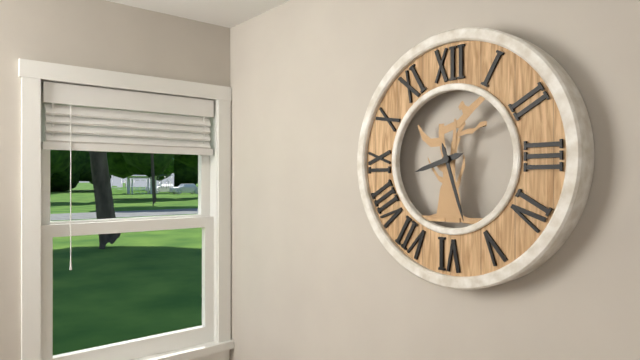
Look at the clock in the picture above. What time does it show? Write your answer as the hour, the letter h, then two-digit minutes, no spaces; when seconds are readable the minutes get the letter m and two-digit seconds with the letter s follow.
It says 8h27
